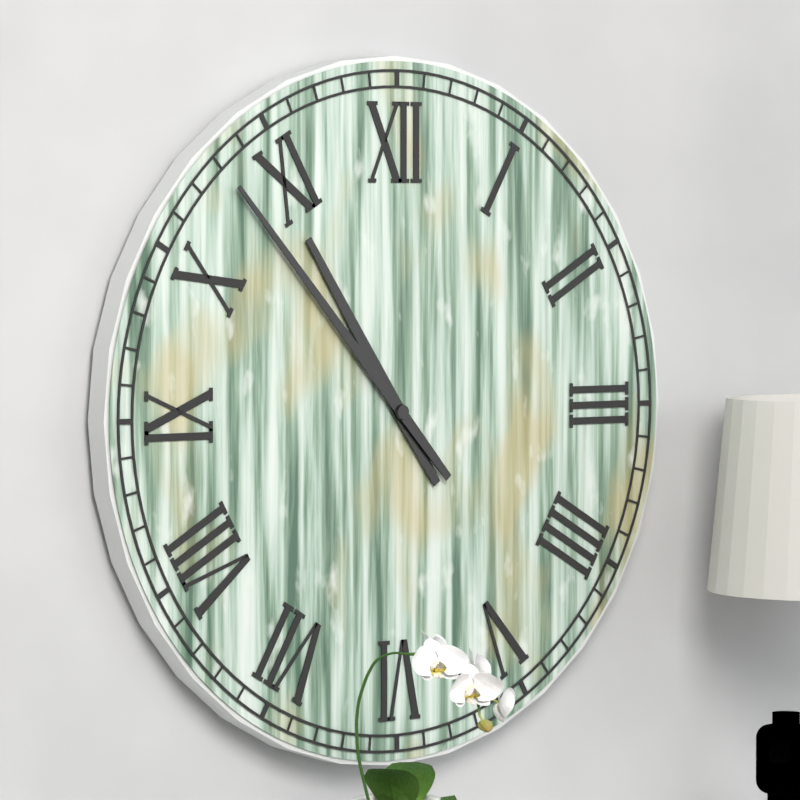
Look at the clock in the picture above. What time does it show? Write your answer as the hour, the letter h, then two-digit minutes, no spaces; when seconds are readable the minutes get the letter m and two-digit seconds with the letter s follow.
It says 10h53
